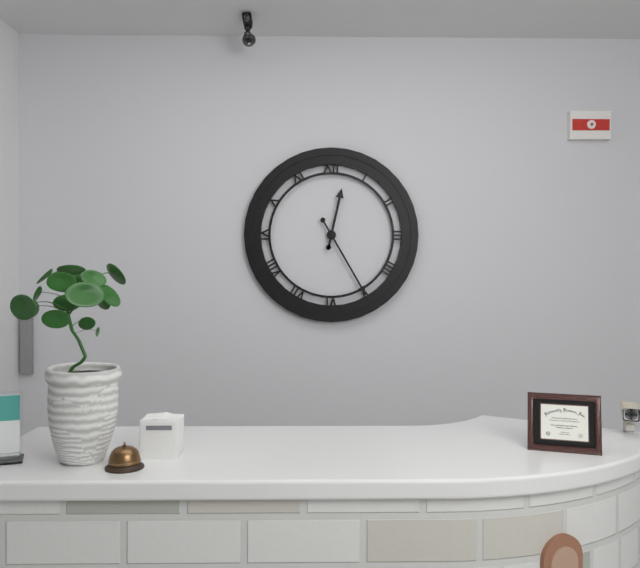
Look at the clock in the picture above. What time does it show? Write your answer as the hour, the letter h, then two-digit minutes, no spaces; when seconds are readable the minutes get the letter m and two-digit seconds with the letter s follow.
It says 12h25
